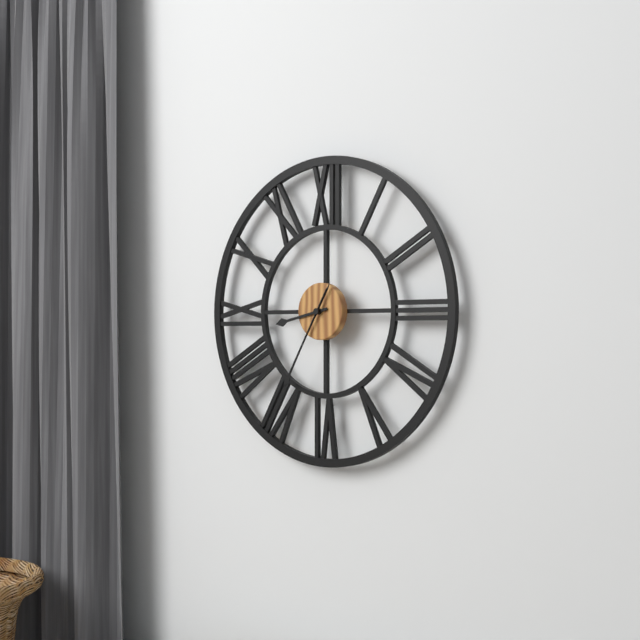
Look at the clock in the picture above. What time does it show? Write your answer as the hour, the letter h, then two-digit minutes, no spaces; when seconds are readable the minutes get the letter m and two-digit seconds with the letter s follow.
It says 8h35
